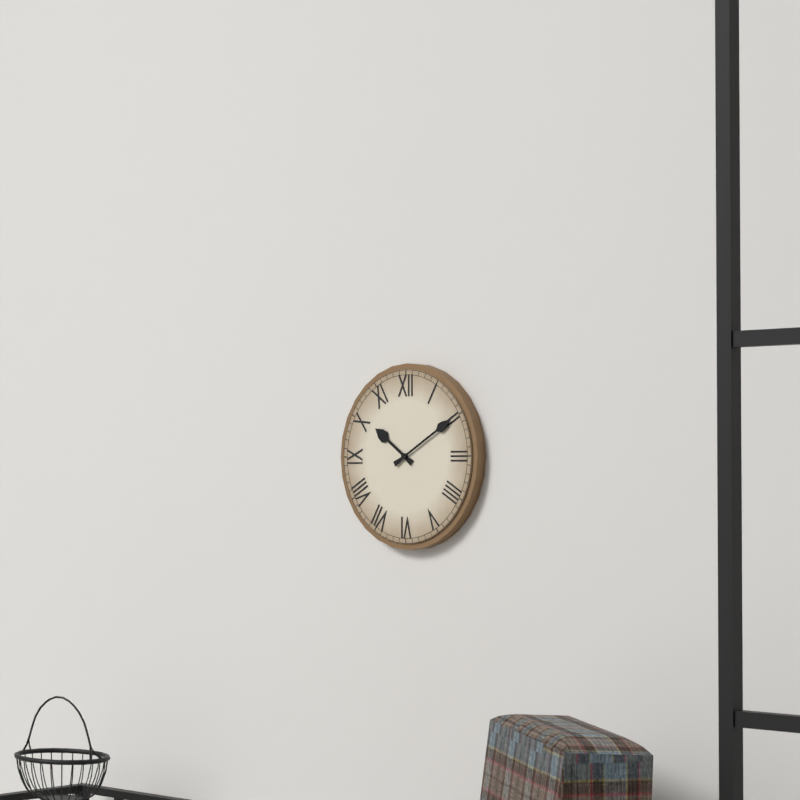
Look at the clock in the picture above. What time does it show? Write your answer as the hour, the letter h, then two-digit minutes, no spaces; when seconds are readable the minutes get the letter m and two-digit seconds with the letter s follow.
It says 10h10
